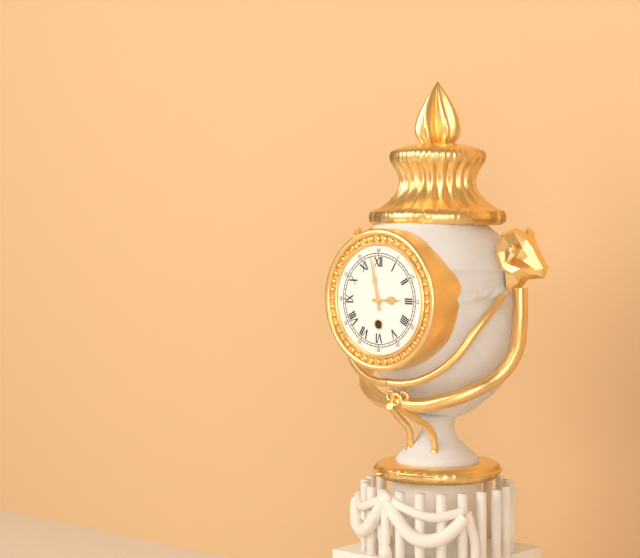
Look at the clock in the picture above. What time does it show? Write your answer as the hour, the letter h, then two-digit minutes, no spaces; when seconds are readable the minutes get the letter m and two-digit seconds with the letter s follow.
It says 2h58
